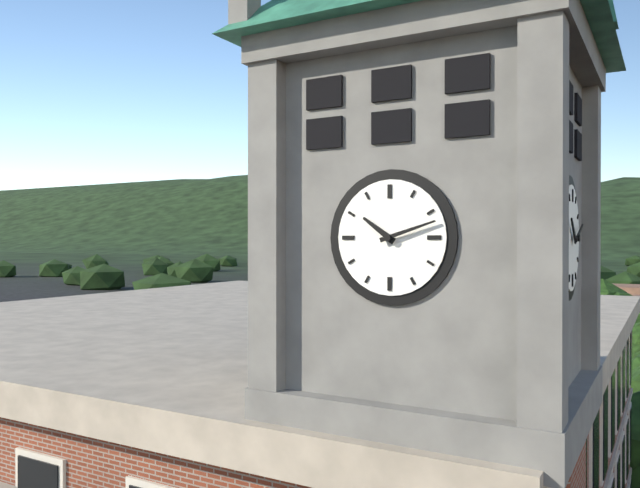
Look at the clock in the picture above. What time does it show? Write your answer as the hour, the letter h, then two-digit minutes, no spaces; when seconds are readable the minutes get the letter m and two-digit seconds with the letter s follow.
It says 10h12
